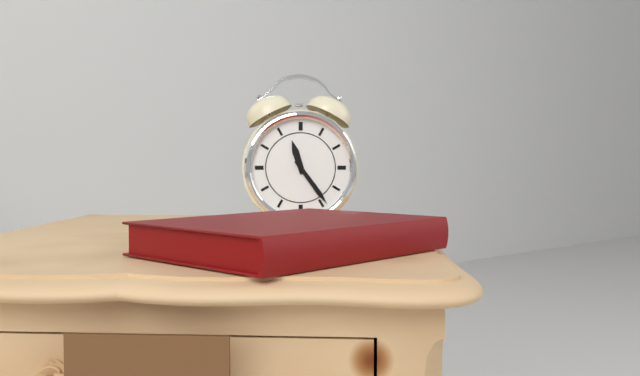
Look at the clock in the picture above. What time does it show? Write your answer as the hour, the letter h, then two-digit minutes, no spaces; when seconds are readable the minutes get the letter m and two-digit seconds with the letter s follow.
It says 11h24
